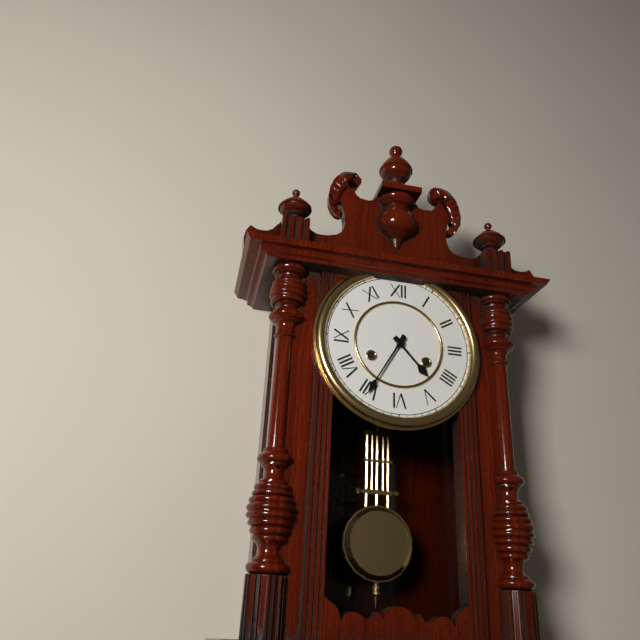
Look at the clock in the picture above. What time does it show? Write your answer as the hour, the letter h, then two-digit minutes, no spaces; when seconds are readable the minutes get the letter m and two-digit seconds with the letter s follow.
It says 4h35
